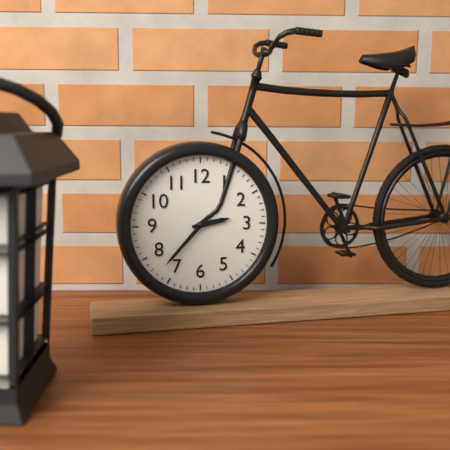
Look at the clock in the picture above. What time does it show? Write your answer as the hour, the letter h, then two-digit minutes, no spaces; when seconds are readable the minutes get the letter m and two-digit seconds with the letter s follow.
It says 2h37
